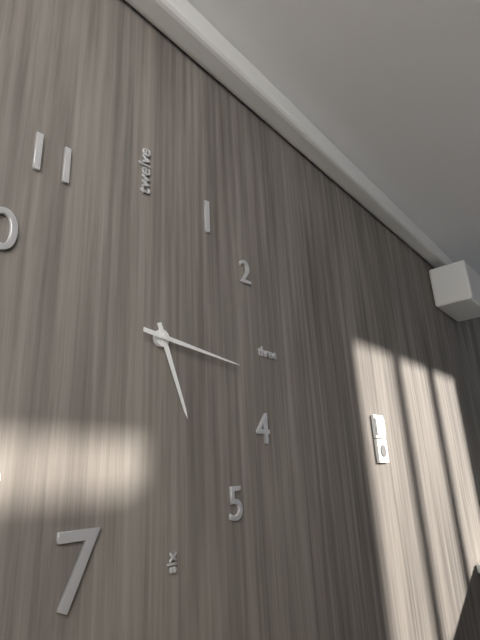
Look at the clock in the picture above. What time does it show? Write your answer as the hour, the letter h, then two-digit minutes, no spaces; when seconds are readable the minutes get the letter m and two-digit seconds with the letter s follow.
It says 5h16
